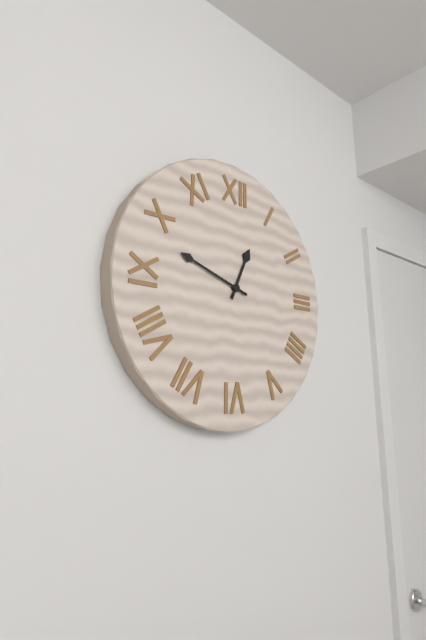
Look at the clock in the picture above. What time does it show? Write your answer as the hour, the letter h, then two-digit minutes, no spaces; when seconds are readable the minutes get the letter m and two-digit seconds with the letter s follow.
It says 12h48
